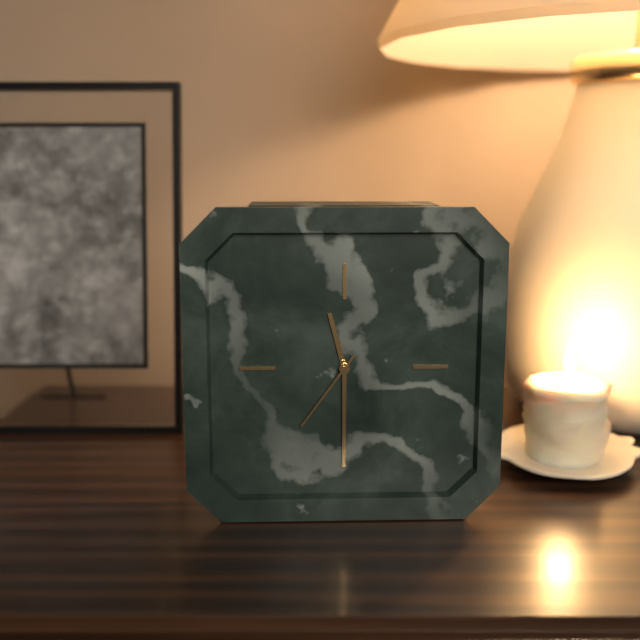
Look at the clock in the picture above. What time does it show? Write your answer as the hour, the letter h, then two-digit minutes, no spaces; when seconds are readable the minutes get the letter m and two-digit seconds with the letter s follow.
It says 11h30m36s
